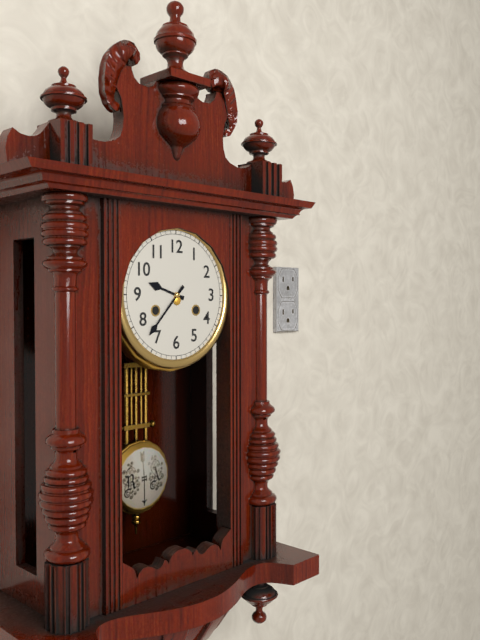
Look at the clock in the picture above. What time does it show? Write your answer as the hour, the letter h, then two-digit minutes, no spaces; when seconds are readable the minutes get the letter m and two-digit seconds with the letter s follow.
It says 9h37
